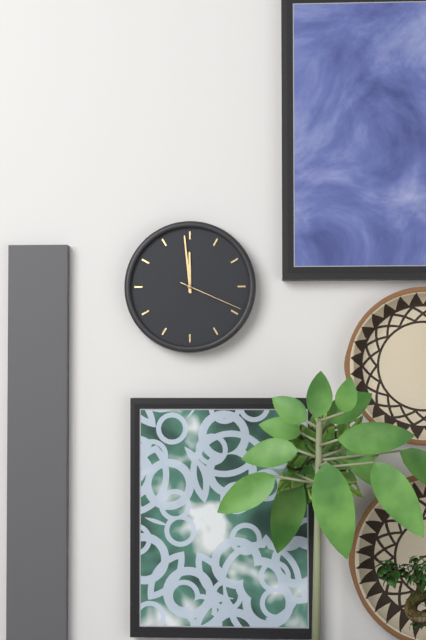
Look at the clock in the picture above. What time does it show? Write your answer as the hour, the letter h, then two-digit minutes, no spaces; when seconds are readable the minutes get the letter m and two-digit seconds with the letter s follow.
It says 11h59m19s
